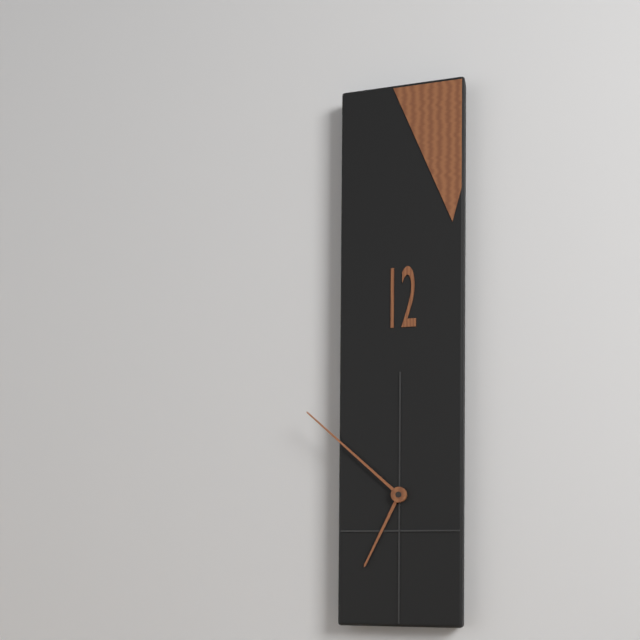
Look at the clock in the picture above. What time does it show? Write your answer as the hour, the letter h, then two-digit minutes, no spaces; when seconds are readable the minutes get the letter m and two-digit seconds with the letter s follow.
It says 6h52
